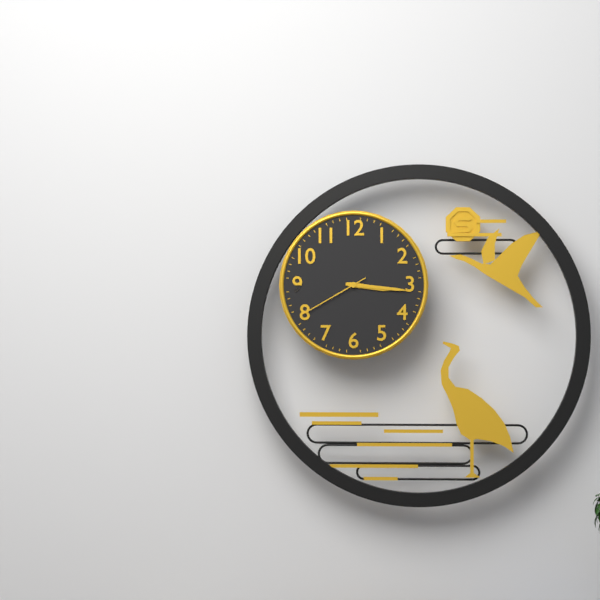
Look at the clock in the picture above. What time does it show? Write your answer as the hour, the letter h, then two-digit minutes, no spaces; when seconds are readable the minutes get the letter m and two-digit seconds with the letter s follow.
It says 3h16m40s
